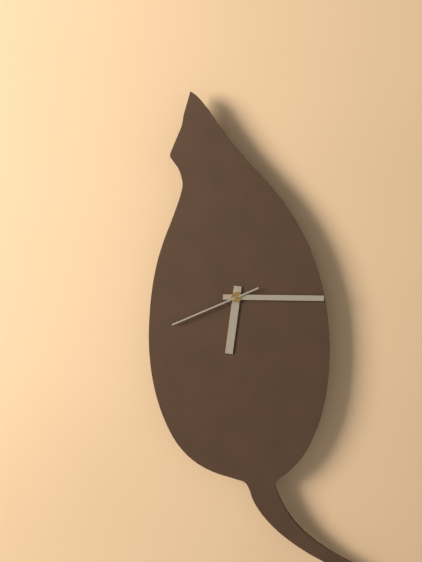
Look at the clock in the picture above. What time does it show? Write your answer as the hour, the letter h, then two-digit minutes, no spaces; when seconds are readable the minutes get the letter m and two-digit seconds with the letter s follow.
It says 6h15m41s
